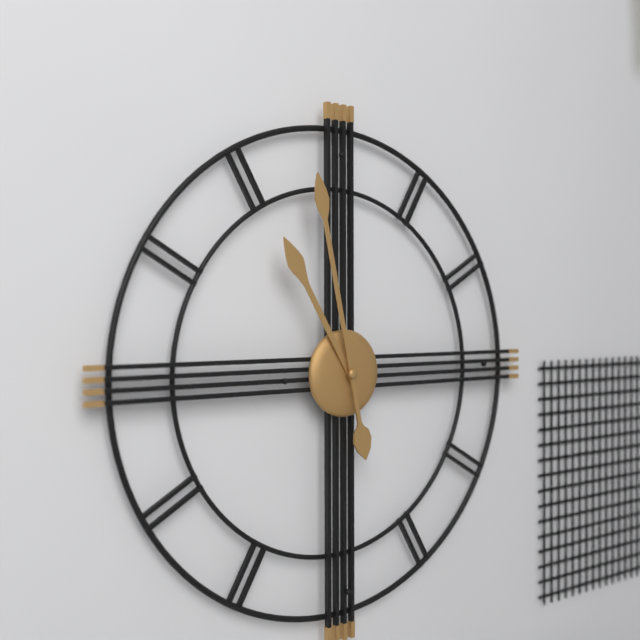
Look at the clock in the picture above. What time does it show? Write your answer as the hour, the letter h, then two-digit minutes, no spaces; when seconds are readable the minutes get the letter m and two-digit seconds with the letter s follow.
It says 10h58
